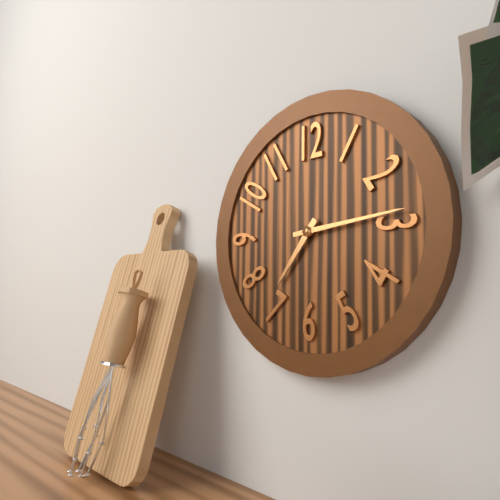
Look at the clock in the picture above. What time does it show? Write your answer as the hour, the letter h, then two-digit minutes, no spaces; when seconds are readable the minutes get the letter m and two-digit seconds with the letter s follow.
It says 7h14
